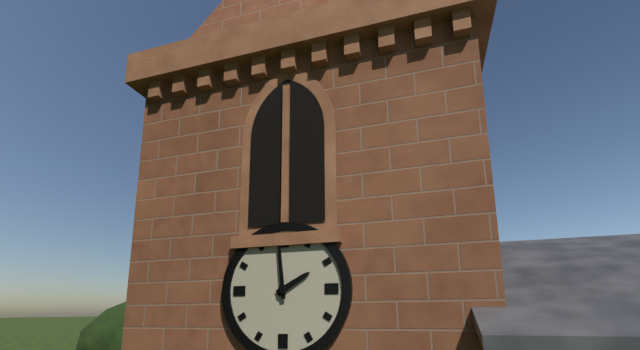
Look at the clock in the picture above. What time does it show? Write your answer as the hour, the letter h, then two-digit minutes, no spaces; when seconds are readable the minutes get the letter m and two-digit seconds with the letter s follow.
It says 1h59
